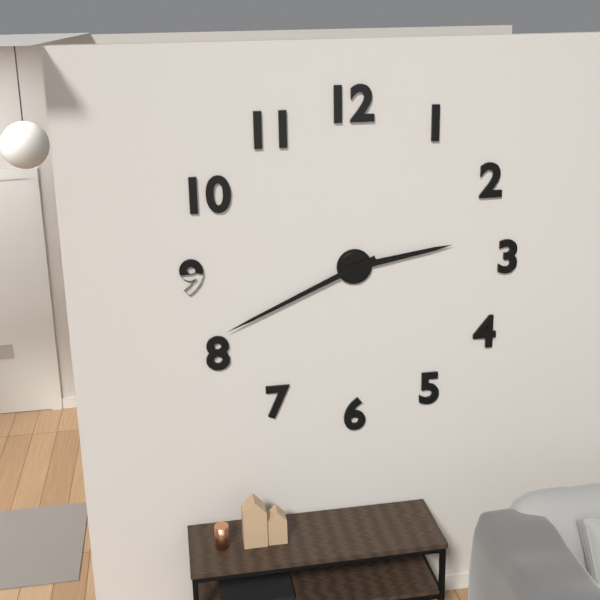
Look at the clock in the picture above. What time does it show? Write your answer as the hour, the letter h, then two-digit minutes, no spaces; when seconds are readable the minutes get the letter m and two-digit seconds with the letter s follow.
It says 2h41
